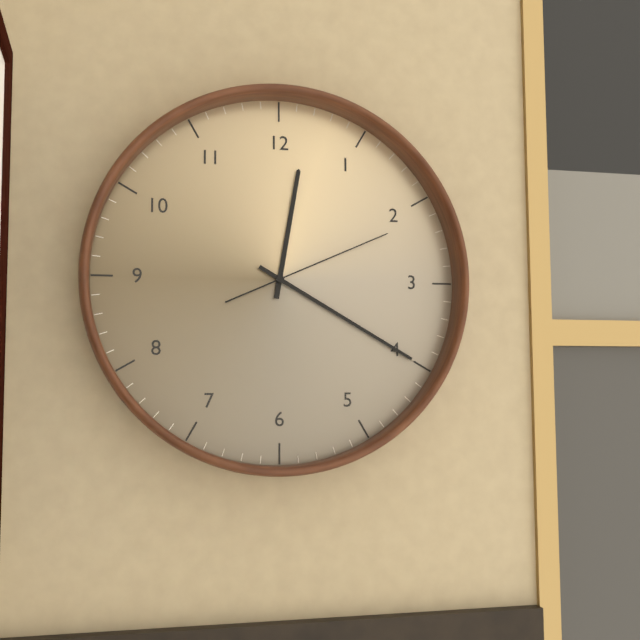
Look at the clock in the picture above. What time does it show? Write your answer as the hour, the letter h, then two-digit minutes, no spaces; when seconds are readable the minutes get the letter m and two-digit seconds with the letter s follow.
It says 12h20m11s
